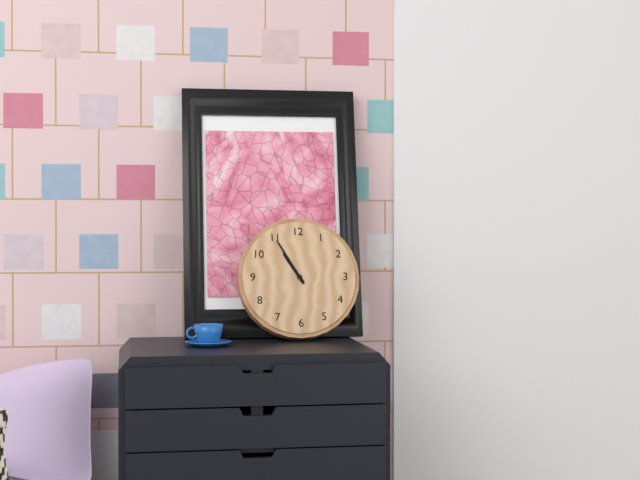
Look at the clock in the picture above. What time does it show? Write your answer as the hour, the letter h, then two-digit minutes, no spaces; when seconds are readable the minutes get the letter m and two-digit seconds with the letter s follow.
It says 10h55
